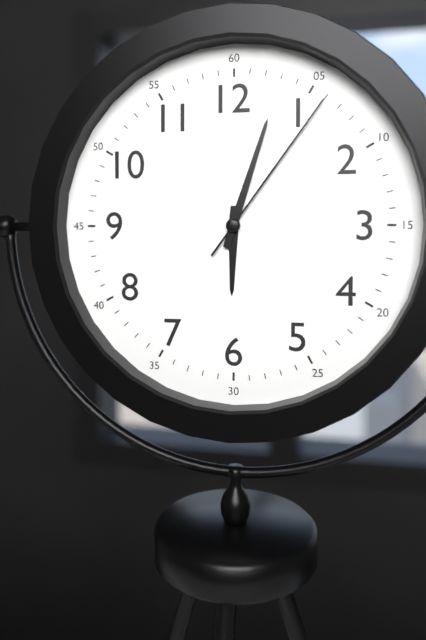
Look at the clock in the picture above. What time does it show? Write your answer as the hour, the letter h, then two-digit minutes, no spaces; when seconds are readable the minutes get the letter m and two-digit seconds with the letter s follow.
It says 6h03m06s
